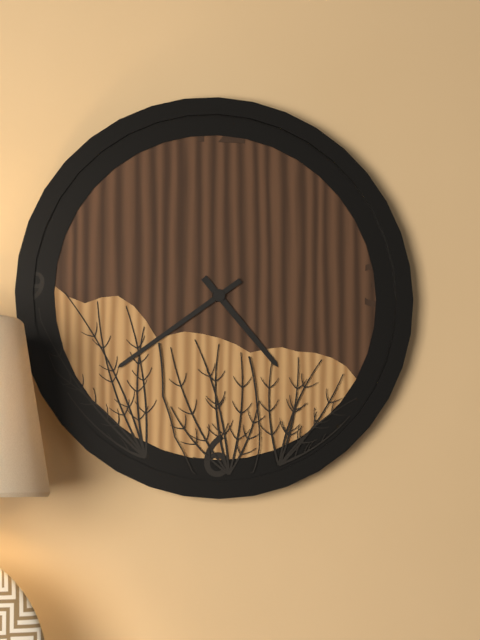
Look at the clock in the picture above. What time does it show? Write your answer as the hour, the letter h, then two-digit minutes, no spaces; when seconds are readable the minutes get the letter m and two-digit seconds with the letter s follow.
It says 4h39
